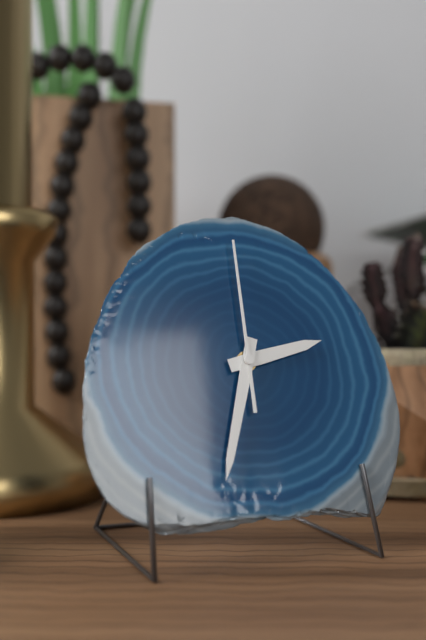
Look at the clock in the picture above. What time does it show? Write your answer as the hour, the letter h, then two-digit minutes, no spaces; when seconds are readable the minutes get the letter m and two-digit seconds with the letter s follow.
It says 2h33m00s
